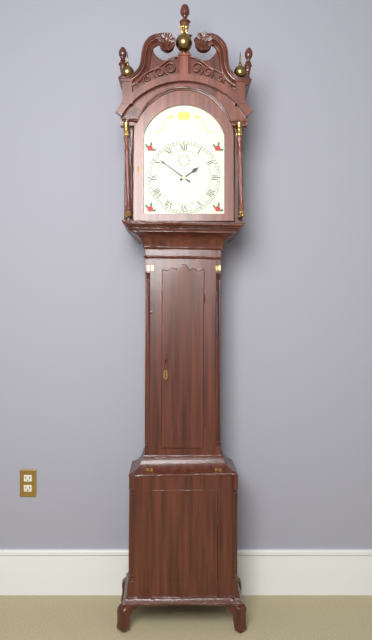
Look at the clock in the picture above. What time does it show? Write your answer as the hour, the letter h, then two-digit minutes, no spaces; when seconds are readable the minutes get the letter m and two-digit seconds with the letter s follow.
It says 1h51
